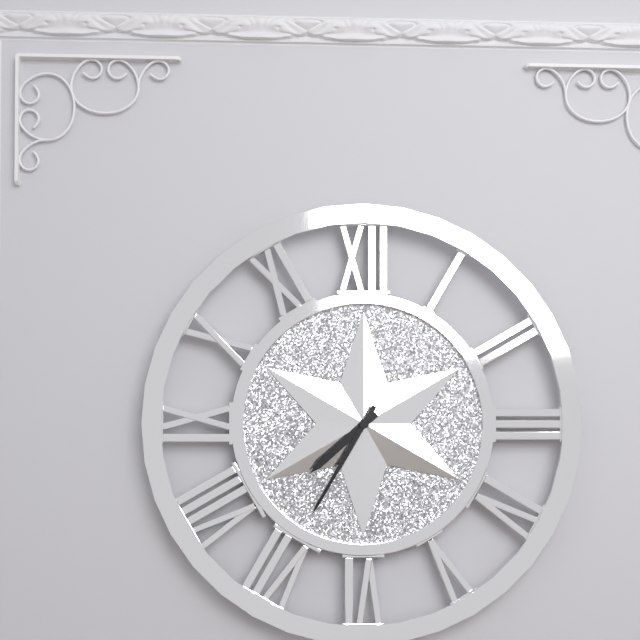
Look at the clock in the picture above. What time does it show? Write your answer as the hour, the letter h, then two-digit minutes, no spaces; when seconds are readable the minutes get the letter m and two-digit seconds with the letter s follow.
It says 7h35
